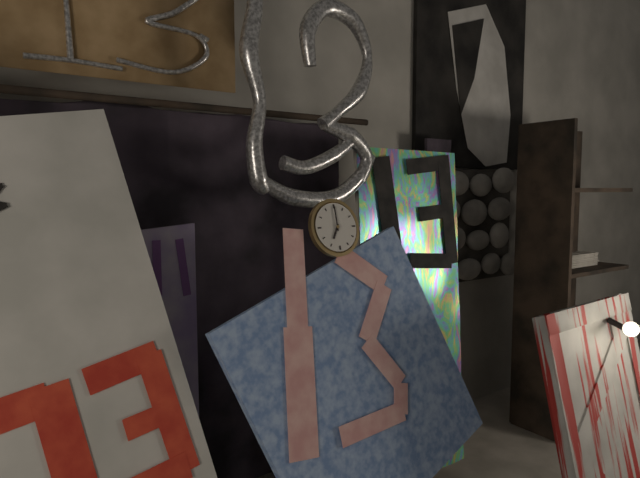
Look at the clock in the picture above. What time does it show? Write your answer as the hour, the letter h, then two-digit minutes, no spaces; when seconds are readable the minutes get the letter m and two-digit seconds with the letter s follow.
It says 7h00
